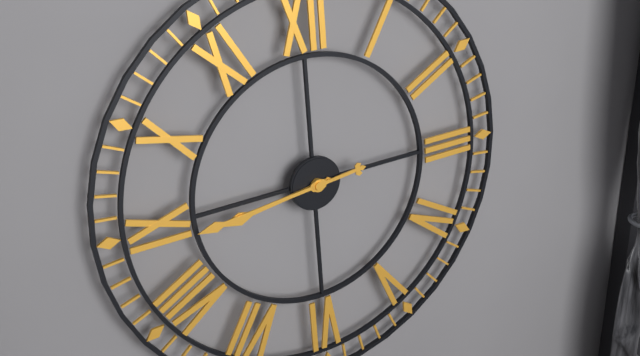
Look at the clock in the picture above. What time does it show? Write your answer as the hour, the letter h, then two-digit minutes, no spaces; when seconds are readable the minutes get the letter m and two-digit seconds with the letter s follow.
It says 8h44
